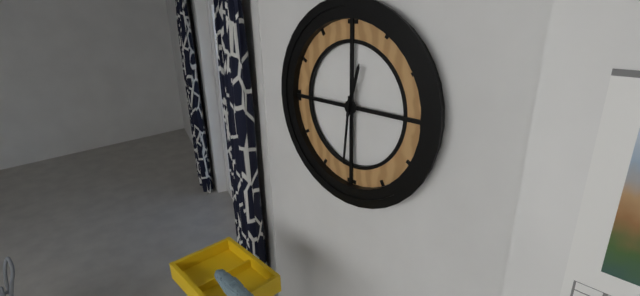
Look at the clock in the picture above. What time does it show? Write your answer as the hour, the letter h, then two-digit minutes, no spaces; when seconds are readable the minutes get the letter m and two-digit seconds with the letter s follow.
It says 12h31
